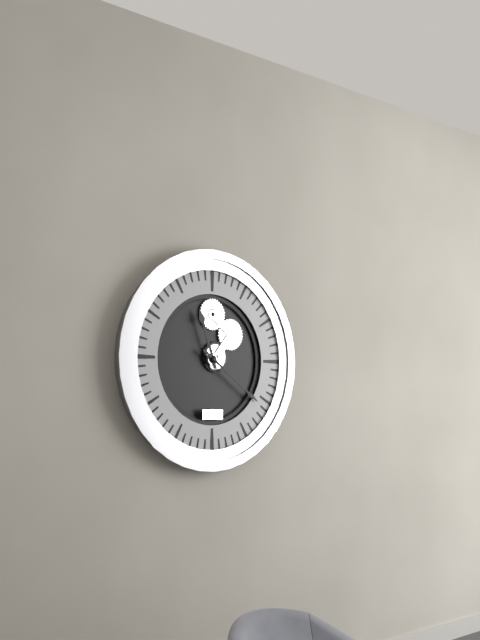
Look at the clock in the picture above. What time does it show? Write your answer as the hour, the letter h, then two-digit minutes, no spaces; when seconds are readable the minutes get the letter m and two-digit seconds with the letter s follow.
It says 11h21
